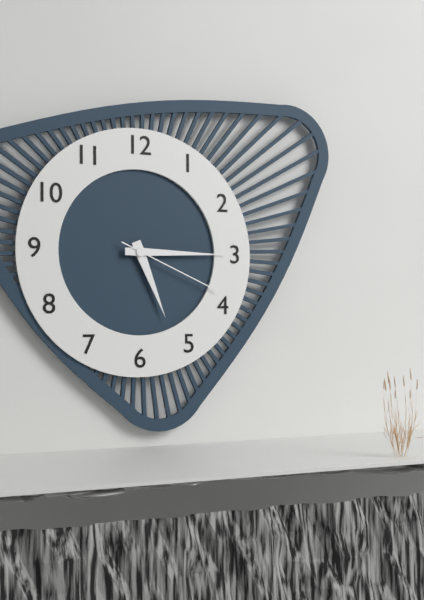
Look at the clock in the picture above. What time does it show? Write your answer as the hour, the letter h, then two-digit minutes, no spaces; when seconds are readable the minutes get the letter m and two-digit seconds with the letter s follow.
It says 5h15m19s
